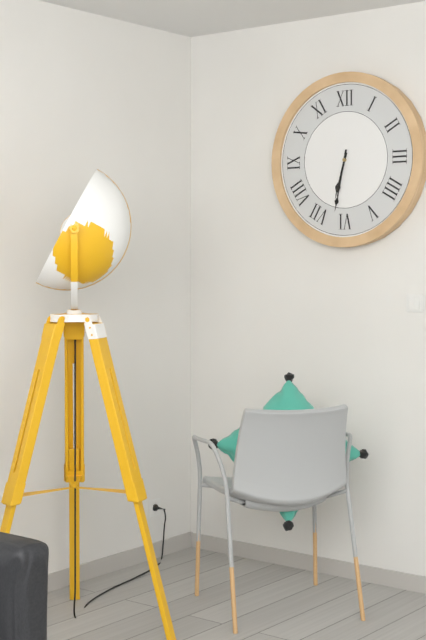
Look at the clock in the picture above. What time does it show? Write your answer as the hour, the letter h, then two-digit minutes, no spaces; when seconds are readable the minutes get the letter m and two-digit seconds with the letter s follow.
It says 6h32
